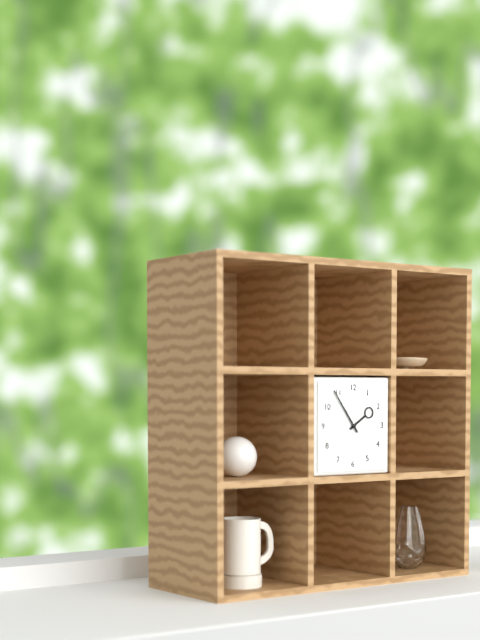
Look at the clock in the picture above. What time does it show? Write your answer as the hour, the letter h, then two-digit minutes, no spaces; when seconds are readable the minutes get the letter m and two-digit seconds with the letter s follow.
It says 1h54
